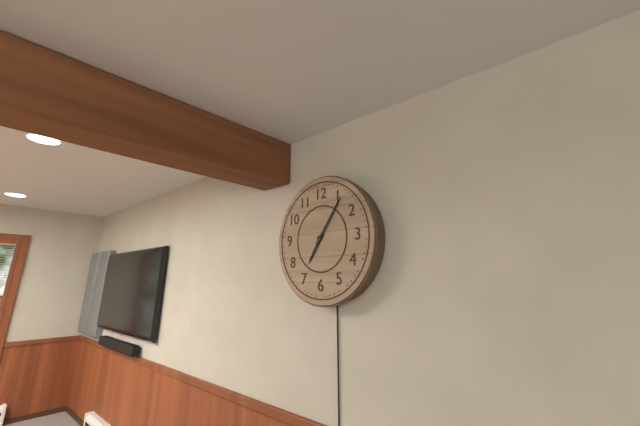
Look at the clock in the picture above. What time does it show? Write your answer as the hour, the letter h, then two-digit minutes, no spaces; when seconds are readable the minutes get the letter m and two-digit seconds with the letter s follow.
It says 7h06
